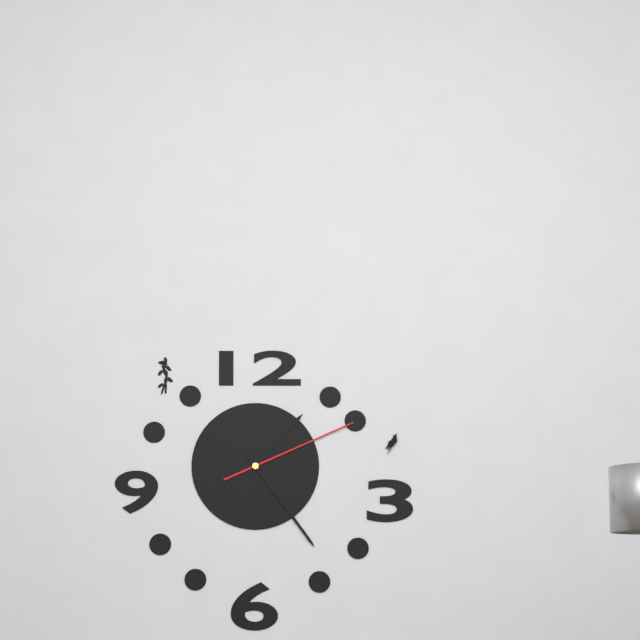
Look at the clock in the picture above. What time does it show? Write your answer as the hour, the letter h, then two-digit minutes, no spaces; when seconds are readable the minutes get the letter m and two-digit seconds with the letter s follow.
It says 1h24m11s
